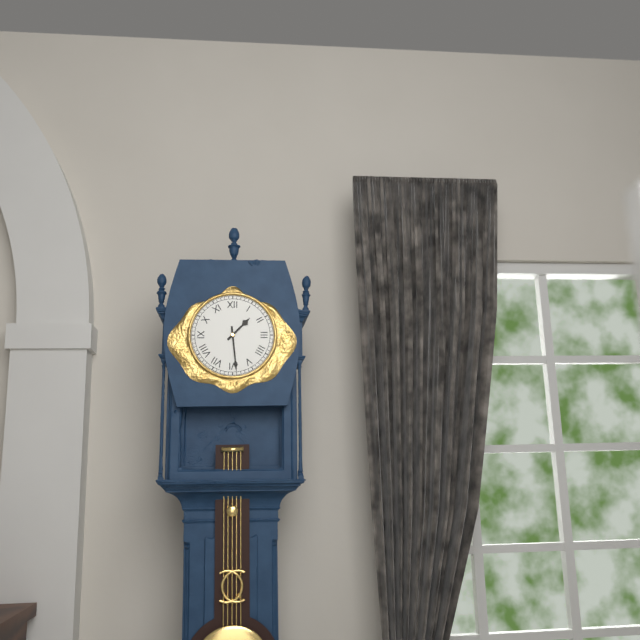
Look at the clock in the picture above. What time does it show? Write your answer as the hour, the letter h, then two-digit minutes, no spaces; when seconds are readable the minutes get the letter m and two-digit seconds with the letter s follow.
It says 1h29
